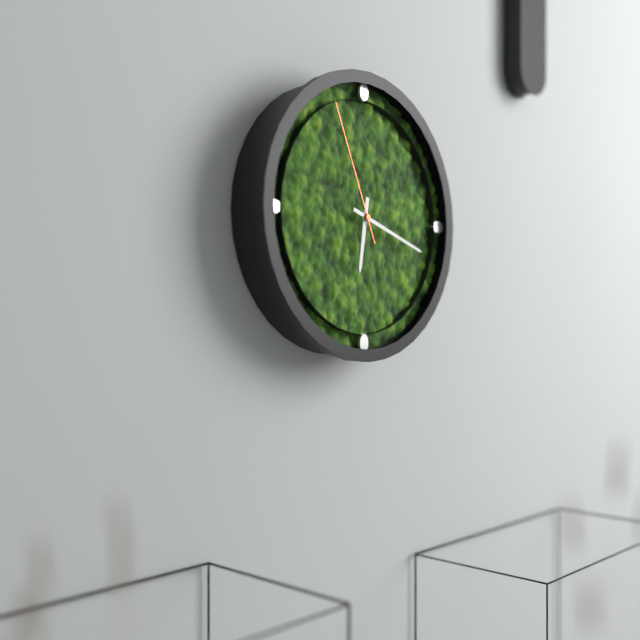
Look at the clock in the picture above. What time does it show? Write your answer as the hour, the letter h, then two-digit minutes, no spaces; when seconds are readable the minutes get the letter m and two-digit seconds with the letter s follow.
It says 6h18m56s
